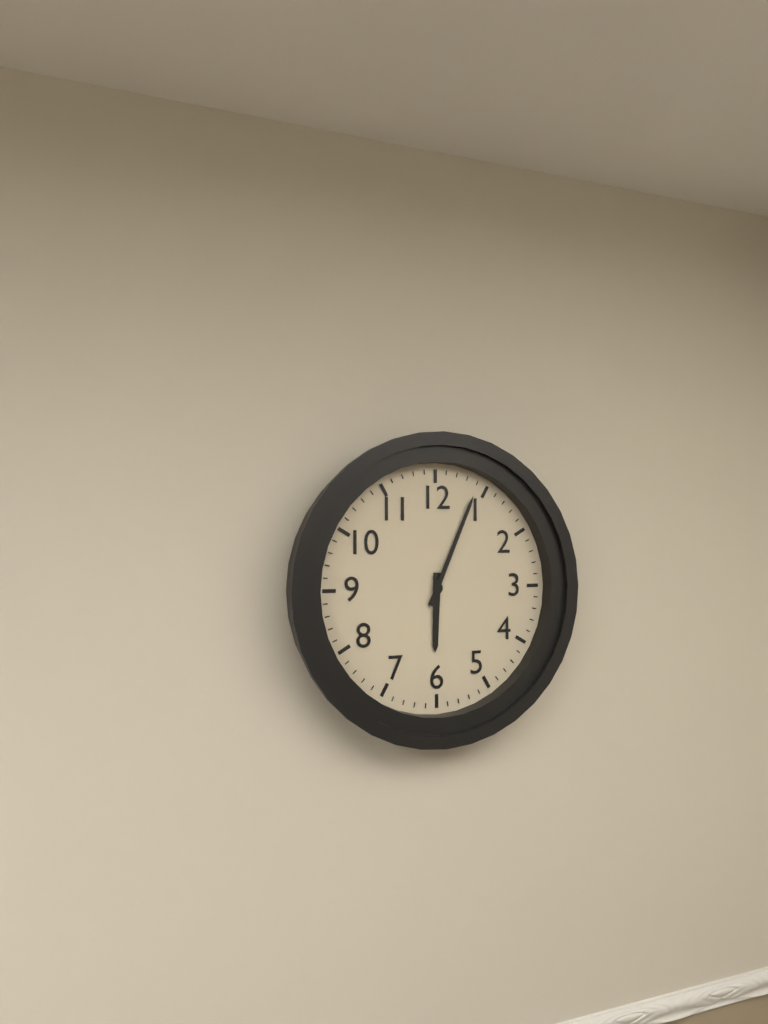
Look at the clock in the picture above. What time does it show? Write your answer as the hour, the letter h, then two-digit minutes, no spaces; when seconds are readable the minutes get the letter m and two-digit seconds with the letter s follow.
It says 6h04
